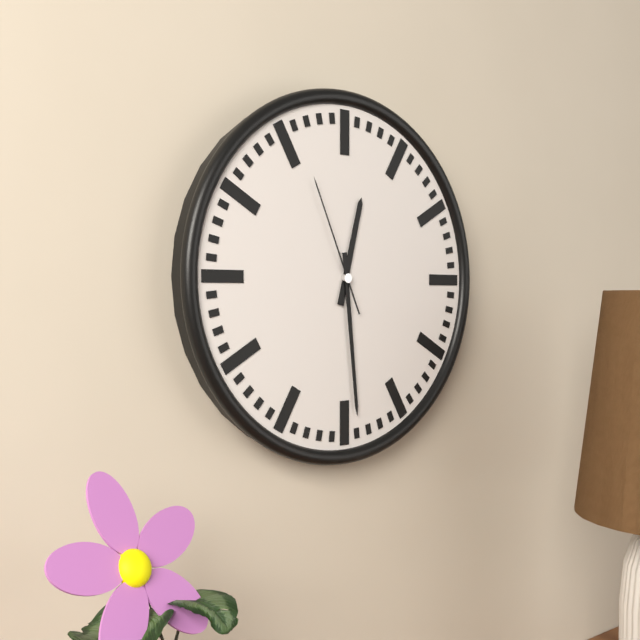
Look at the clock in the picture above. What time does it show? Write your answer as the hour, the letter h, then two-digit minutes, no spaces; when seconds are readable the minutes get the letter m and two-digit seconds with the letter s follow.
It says 12h29m56s
